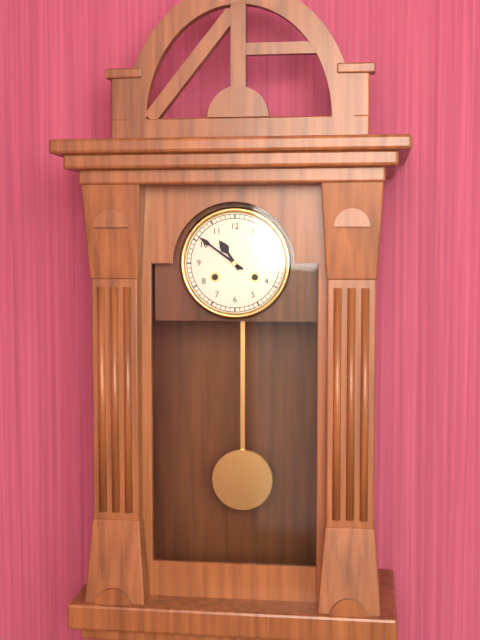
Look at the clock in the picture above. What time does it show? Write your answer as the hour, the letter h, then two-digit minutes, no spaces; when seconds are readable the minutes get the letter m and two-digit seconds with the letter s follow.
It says 10h51
